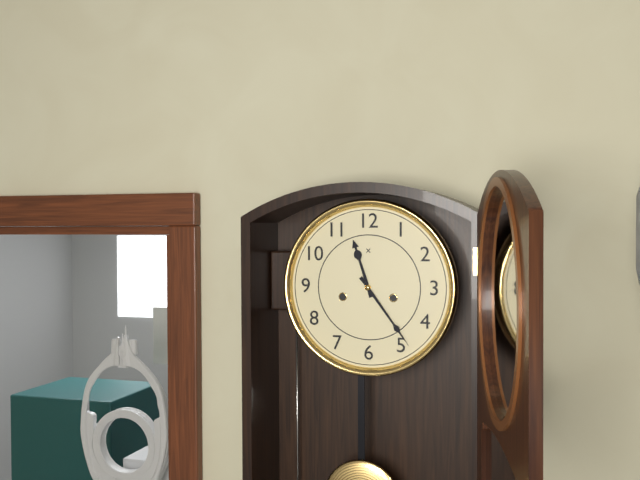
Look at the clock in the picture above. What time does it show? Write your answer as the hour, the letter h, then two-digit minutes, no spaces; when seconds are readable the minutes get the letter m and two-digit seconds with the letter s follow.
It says 11h24
